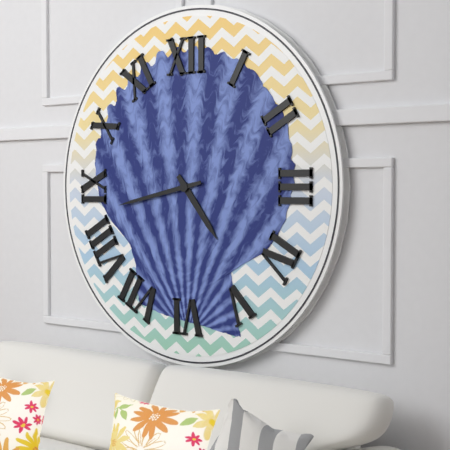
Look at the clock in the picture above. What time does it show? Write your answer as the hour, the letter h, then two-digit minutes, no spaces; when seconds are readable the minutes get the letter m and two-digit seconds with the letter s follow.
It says 4h43
